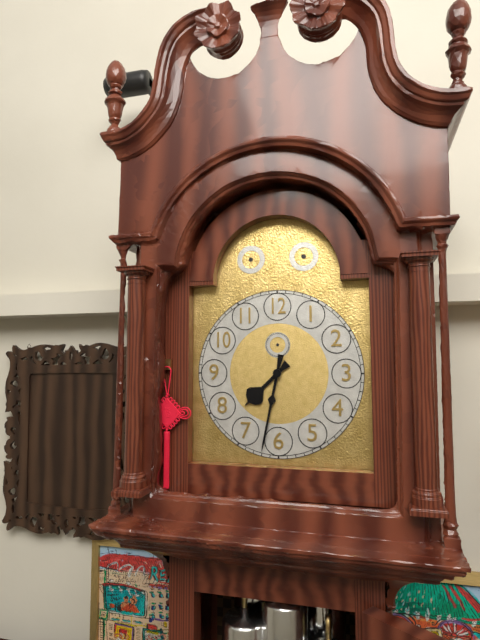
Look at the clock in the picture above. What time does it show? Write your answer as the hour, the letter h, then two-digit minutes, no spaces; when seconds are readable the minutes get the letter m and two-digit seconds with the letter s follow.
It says 7h32
